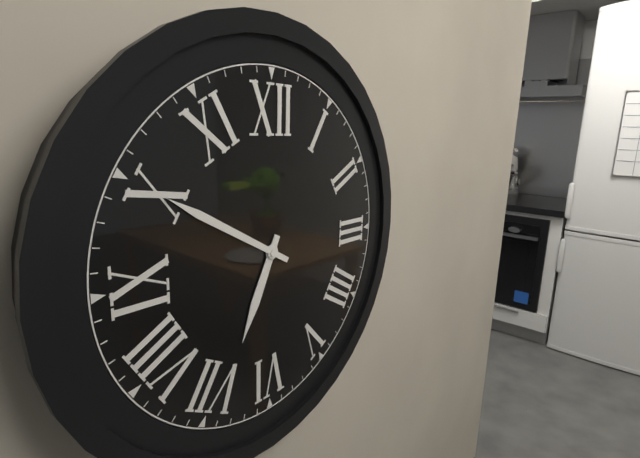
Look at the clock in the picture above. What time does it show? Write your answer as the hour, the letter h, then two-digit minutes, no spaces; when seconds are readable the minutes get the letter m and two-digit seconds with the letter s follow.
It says 6h50
